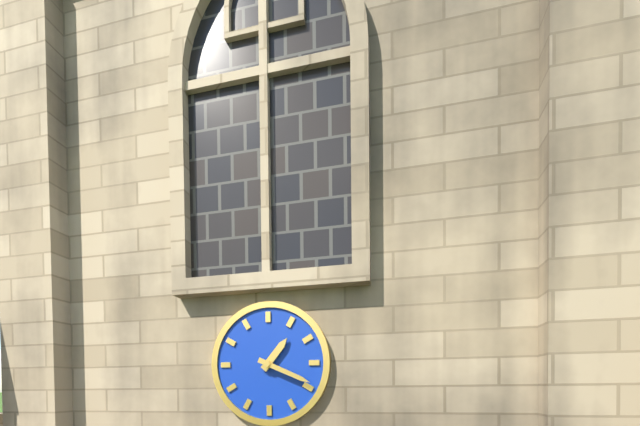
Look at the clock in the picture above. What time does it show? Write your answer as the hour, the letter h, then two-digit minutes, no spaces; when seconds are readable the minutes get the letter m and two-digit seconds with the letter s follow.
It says 1h19
